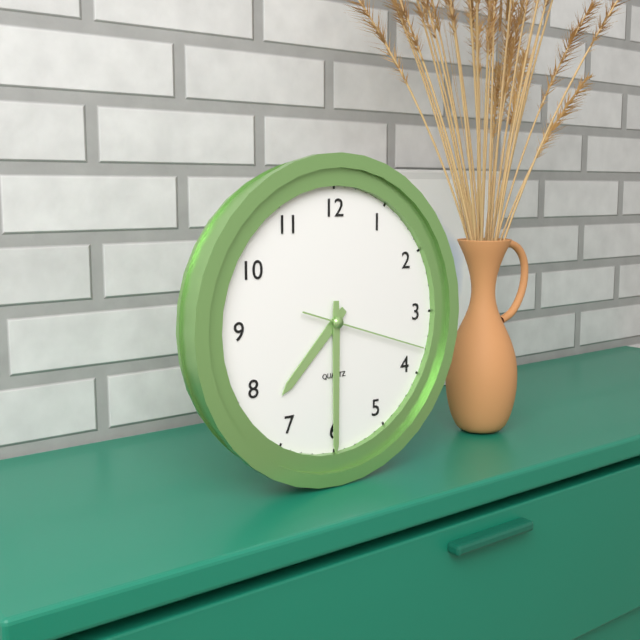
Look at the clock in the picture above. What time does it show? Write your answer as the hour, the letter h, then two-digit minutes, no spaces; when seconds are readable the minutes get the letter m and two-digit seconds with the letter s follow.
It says 7h30m18s
